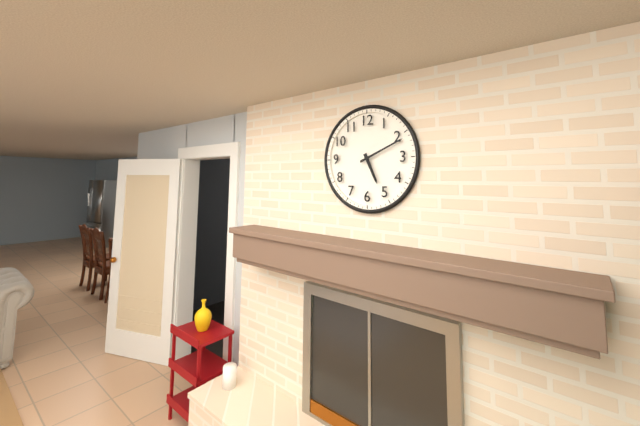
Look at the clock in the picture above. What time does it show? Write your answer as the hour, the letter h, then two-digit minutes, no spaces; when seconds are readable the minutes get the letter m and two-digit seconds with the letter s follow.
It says 5h11
